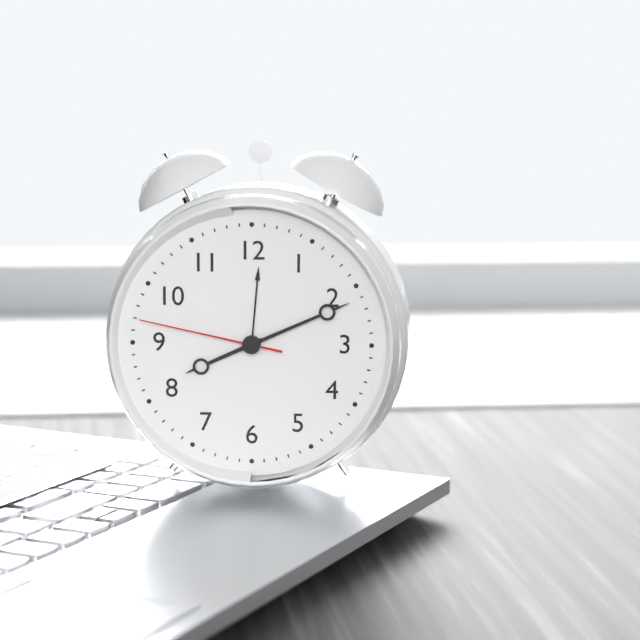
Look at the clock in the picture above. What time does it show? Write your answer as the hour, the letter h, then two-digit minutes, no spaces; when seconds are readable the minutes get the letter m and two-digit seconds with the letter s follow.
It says 8h11m47s
